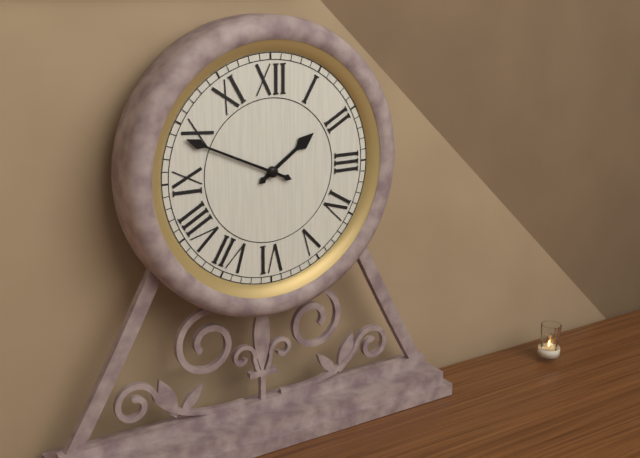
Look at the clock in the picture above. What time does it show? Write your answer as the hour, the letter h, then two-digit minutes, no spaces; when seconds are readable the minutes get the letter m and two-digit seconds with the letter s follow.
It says 1h49
